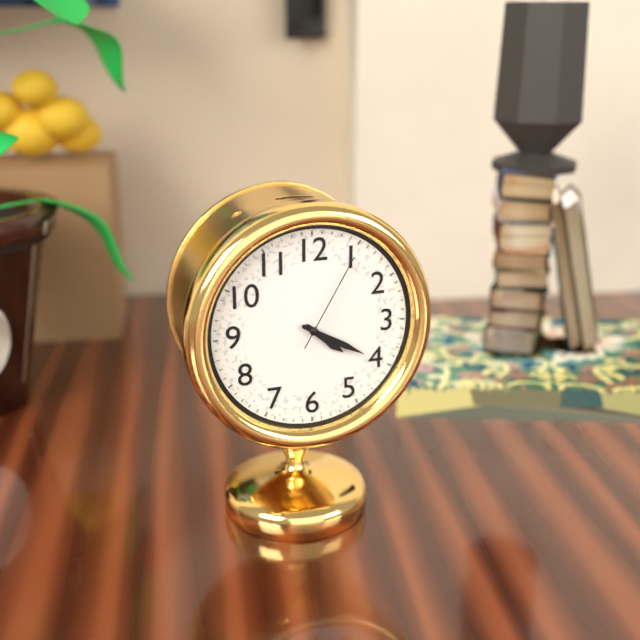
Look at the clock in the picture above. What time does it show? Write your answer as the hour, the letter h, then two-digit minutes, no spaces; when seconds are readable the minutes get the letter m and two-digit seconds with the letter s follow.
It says 4h20m05s
